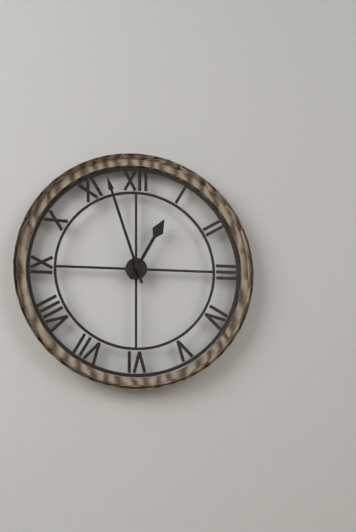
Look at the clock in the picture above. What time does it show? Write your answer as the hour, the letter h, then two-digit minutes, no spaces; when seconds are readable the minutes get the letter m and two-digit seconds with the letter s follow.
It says 12h57
